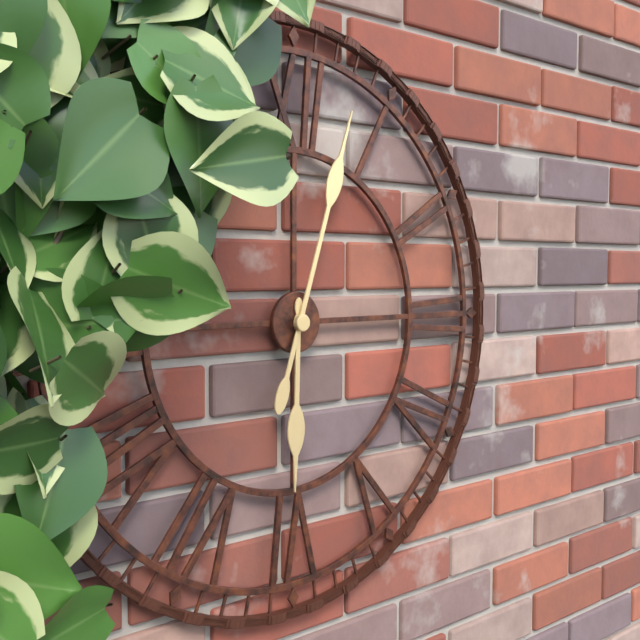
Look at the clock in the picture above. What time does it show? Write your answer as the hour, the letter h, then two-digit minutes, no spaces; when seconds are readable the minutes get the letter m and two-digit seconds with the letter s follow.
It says 6h03
